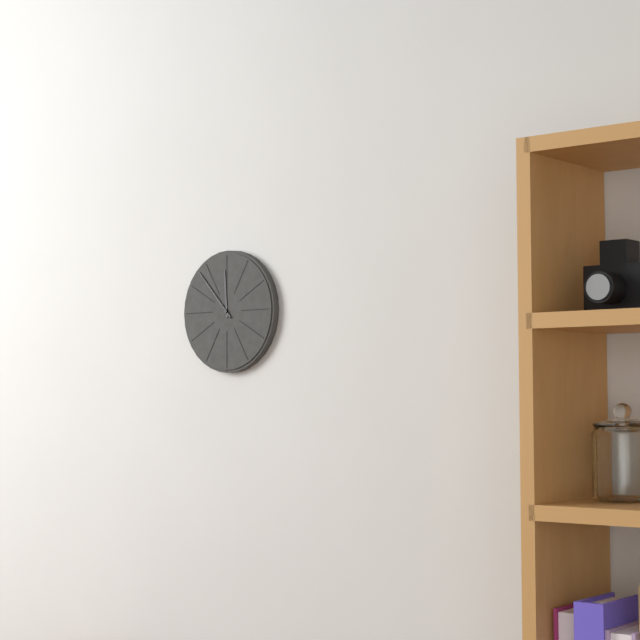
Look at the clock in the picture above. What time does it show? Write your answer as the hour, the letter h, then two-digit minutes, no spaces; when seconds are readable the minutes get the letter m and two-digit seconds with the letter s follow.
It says 11h53
